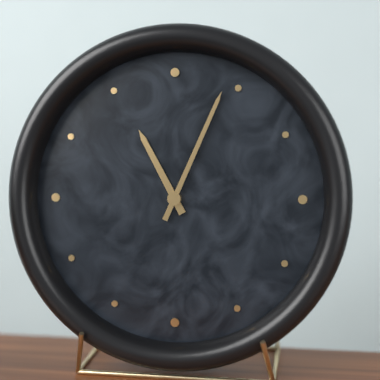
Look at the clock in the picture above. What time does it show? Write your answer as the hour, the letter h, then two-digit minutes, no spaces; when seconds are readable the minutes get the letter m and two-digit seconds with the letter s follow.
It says 11h04
